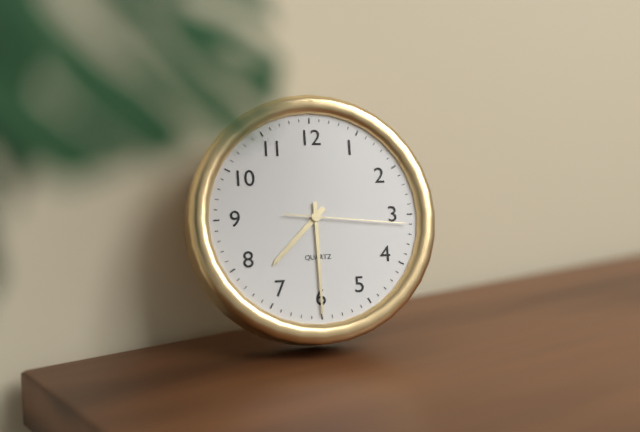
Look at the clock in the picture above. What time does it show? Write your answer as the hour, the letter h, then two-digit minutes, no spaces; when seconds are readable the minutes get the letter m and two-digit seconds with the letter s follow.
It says 7h30m16s
